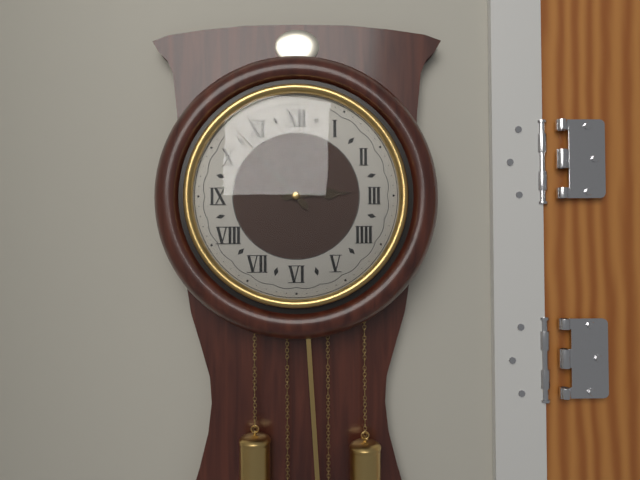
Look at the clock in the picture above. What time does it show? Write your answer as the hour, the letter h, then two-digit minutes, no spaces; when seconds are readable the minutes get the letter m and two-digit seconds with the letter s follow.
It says 2h53
